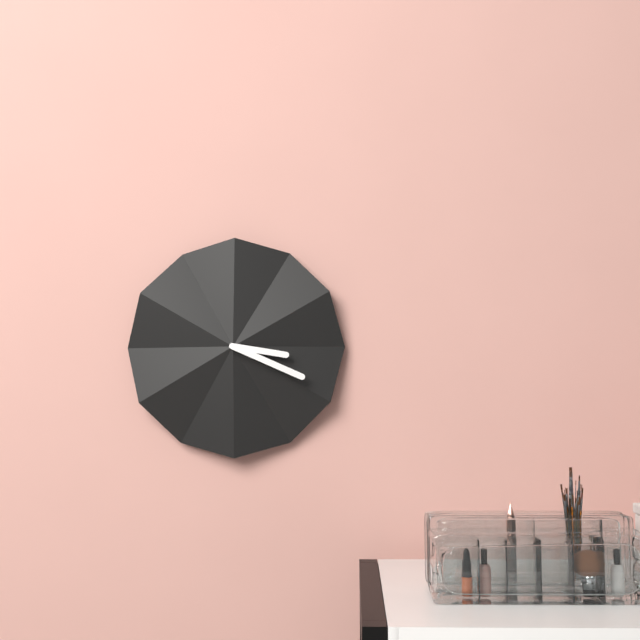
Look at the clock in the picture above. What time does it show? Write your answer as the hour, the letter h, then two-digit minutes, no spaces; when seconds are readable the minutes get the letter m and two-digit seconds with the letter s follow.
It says 3h19
